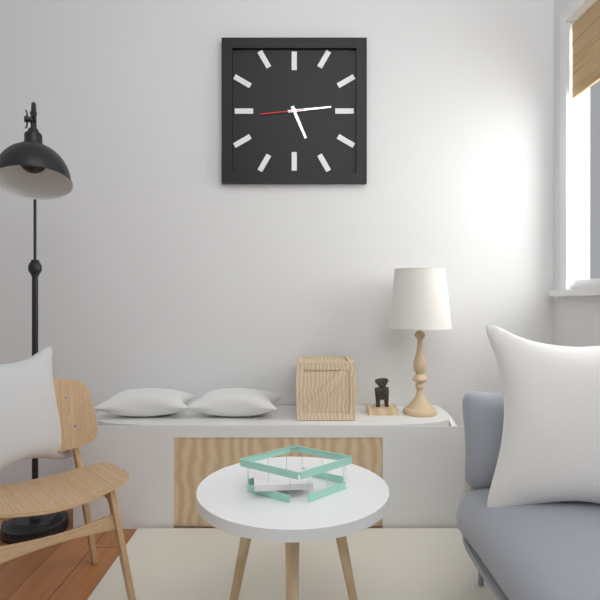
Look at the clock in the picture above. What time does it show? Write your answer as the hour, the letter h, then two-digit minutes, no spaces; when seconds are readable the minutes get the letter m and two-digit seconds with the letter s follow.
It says 5h14
